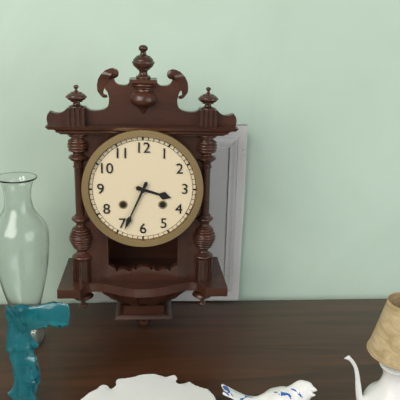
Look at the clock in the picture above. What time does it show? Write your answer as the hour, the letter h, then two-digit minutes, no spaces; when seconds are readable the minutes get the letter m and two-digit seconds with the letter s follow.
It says 3h34
